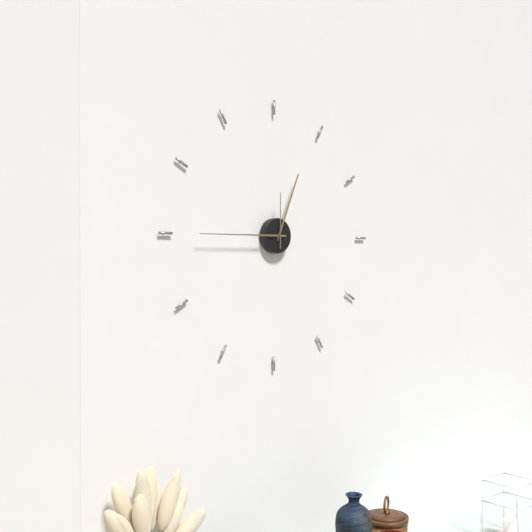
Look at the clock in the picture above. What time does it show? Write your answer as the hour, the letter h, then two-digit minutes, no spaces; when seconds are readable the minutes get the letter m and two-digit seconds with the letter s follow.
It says 12h45m00s
